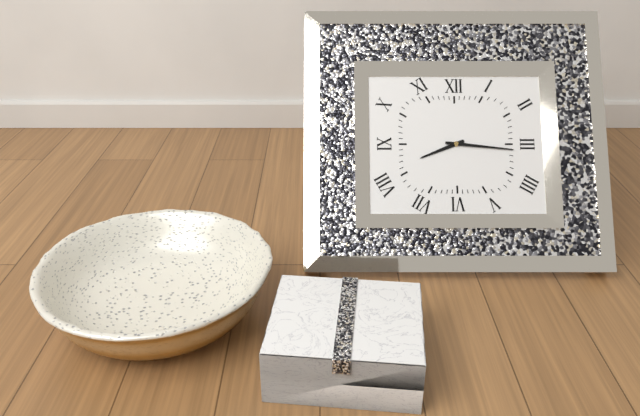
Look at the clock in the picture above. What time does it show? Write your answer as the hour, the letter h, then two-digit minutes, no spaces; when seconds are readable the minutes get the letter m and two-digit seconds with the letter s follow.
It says 8h16
